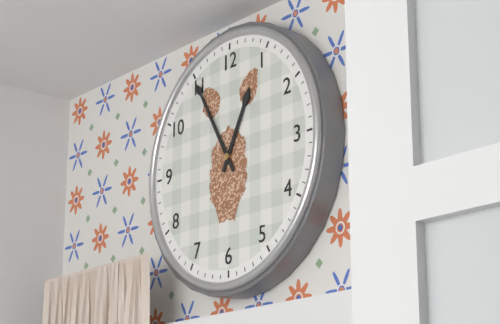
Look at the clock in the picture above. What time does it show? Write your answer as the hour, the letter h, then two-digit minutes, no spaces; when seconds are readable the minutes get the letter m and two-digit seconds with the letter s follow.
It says 12h55
